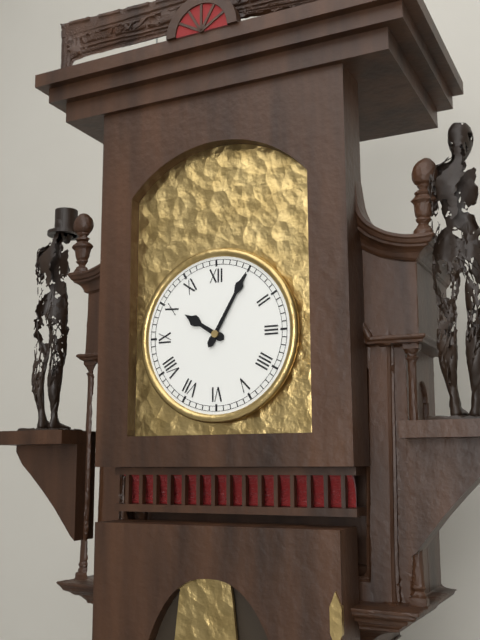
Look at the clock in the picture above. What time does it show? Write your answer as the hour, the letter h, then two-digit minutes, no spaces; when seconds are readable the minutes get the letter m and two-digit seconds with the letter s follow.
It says 10h05
